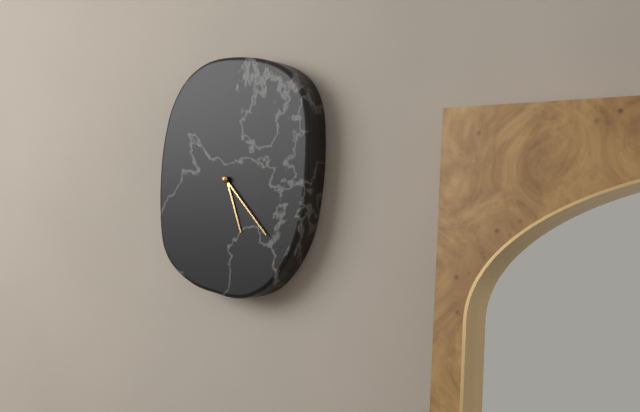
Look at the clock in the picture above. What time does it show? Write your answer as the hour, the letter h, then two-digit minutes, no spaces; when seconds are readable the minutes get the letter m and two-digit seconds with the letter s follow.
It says 5h23
